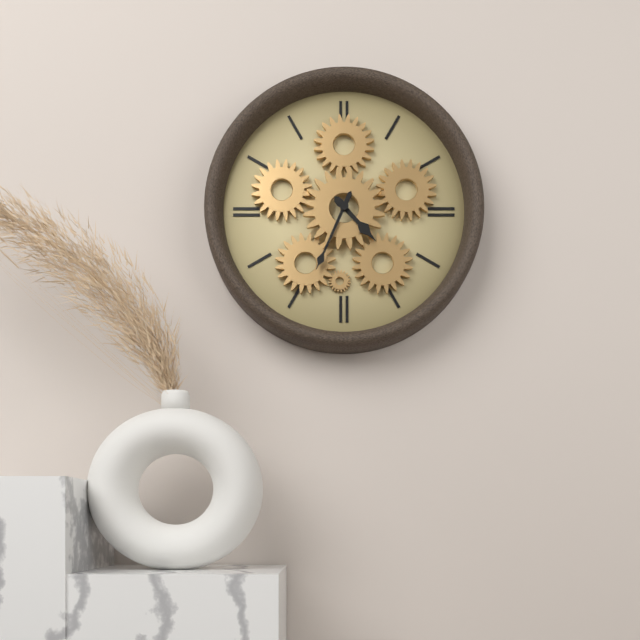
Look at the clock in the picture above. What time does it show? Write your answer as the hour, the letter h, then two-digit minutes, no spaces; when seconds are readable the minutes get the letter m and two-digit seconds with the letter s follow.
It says 4h34
